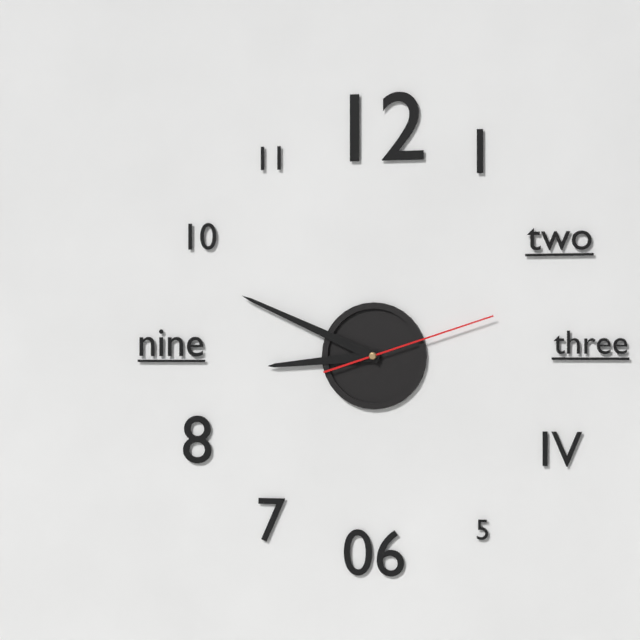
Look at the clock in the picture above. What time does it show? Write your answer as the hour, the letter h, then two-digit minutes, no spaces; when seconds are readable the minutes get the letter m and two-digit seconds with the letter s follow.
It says 8h49m12s
